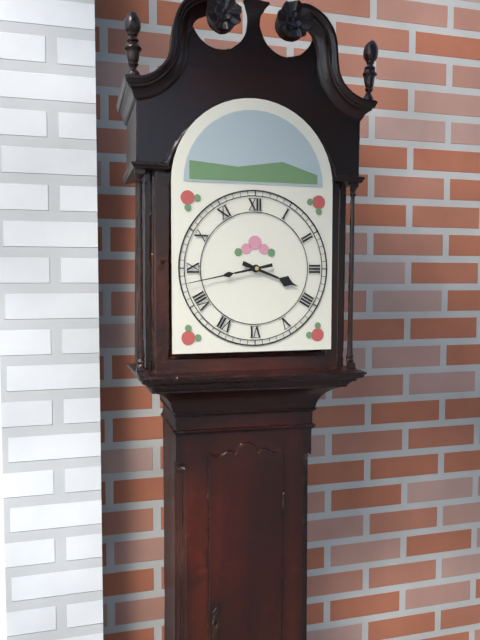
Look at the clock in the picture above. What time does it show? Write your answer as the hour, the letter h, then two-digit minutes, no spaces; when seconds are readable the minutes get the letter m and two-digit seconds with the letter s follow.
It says 3h43
